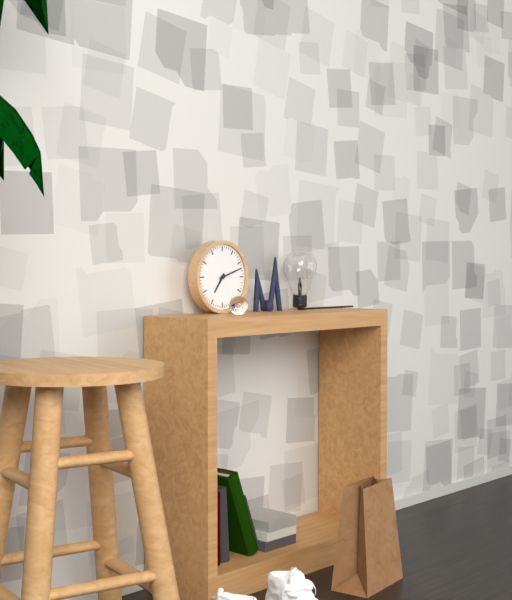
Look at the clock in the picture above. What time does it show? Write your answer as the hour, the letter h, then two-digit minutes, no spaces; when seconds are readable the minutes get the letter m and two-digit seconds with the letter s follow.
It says 7h12
